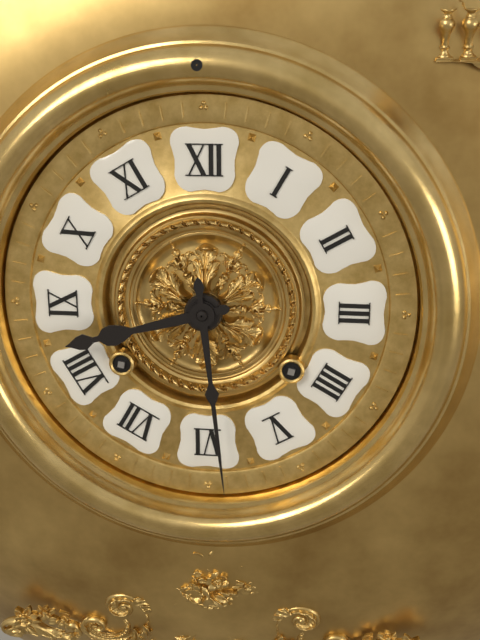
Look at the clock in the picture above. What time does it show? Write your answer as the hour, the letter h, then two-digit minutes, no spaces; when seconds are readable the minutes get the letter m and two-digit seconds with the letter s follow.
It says 8h29
